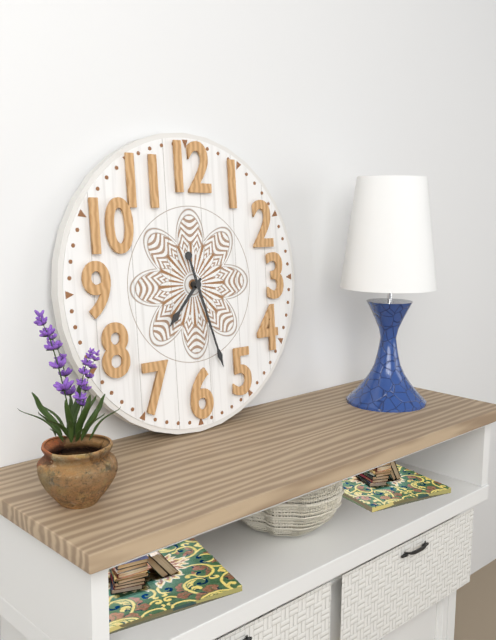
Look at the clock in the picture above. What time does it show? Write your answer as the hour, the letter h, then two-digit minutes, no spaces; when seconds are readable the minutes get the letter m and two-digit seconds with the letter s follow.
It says 7h27
